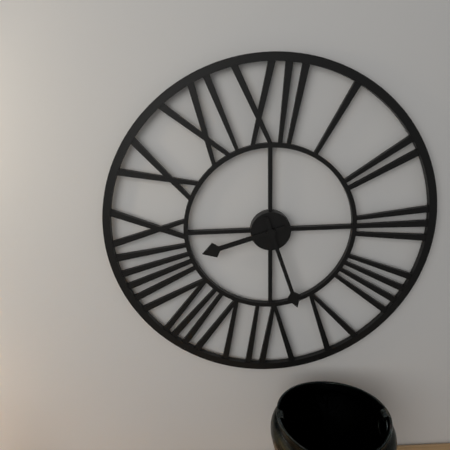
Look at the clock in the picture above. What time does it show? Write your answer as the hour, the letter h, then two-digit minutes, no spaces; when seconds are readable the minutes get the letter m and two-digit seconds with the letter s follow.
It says 8h27
